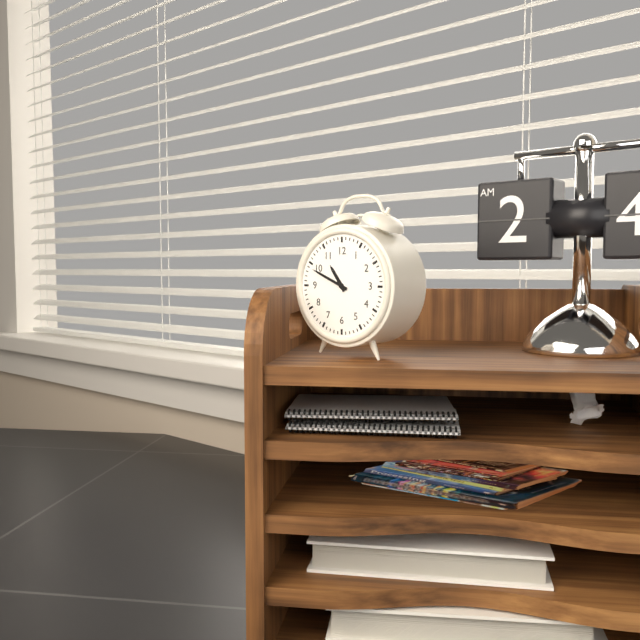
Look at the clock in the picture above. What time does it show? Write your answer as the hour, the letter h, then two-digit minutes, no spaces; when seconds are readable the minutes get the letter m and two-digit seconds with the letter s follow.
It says 10h49
